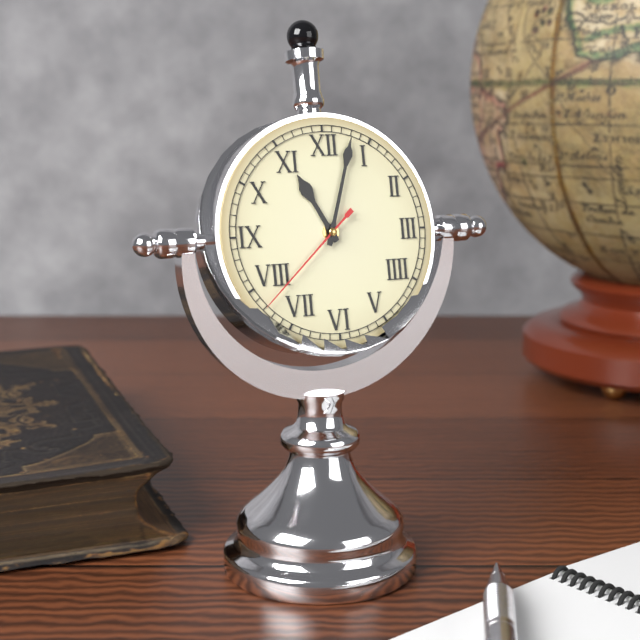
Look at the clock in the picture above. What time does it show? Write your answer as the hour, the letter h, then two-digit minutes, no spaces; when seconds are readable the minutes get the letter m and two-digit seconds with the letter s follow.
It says 11h03m38s
